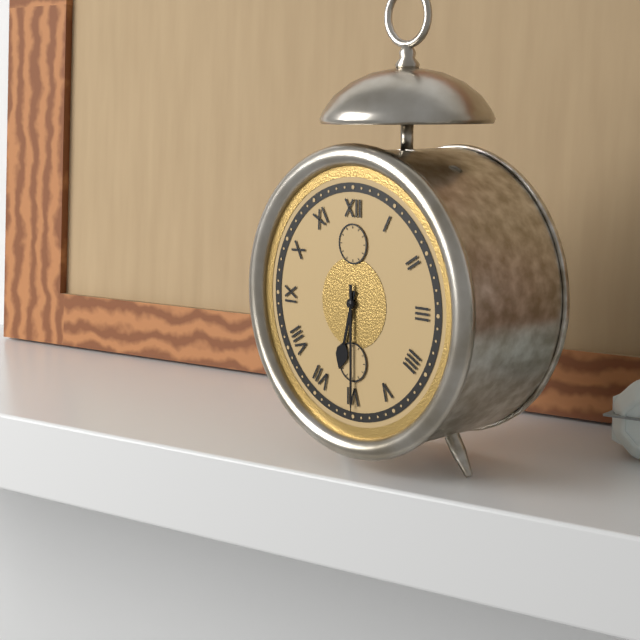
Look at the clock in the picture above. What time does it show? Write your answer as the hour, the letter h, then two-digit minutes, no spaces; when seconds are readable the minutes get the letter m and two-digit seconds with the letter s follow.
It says 6h30
